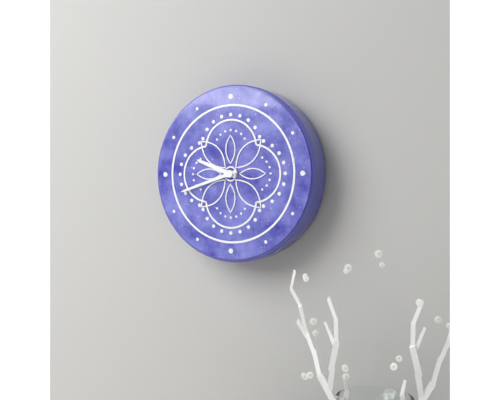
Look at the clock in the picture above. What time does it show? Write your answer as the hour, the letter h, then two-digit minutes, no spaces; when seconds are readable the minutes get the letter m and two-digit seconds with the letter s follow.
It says 9h42
